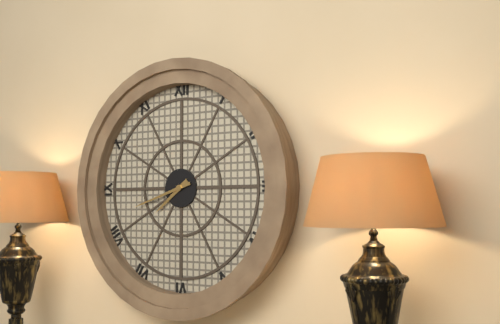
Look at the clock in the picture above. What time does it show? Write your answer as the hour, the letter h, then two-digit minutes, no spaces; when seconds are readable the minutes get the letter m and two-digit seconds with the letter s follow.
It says 7h42
